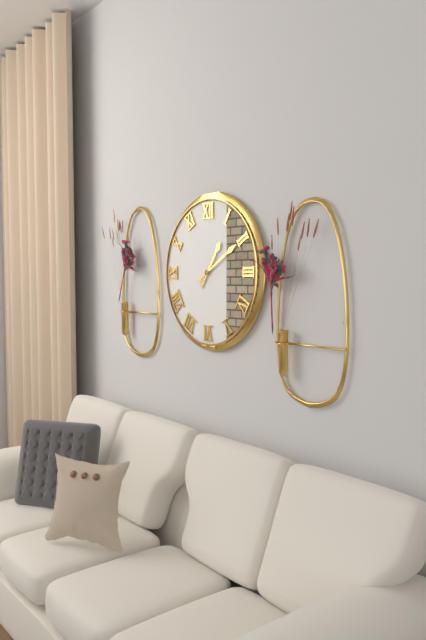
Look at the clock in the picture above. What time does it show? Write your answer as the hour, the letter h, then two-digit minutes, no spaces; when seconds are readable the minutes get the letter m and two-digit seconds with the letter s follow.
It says 1h10
